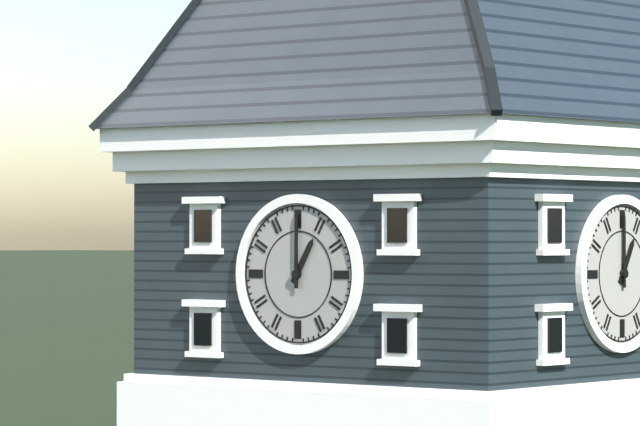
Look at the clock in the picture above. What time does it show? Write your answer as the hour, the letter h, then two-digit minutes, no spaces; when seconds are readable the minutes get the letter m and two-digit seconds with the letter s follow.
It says 1h00
